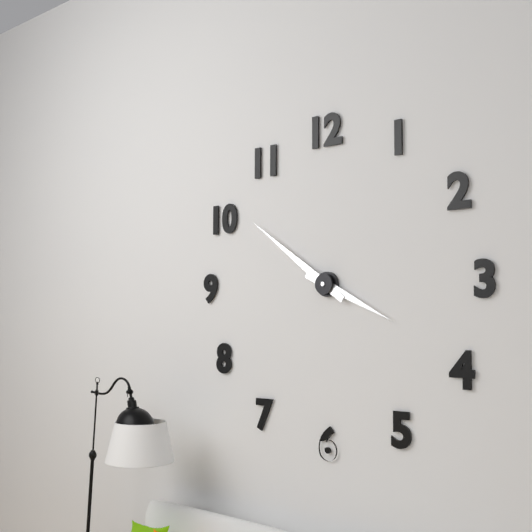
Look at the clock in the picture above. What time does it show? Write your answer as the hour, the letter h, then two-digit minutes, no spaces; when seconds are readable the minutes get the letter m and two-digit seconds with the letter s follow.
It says 3h51
